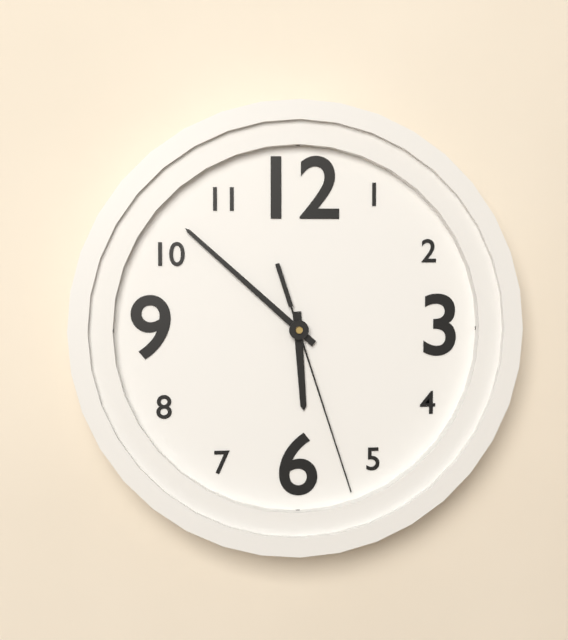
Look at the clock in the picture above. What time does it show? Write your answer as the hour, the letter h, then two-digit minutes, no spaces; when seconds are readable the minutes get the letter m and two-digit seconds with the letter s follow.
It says 5h52m27s
